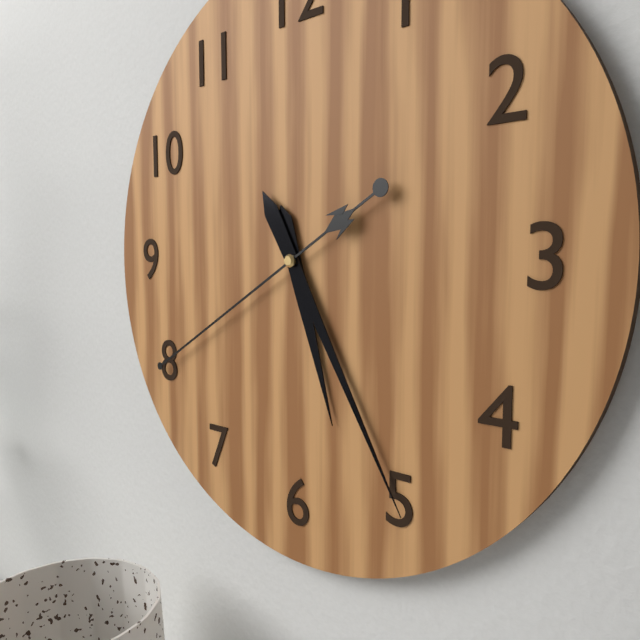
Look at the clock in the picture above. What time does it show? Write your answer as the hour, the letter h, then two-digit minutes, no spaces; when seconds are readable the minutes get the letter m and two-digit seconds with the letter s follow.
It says 5h25m40s
